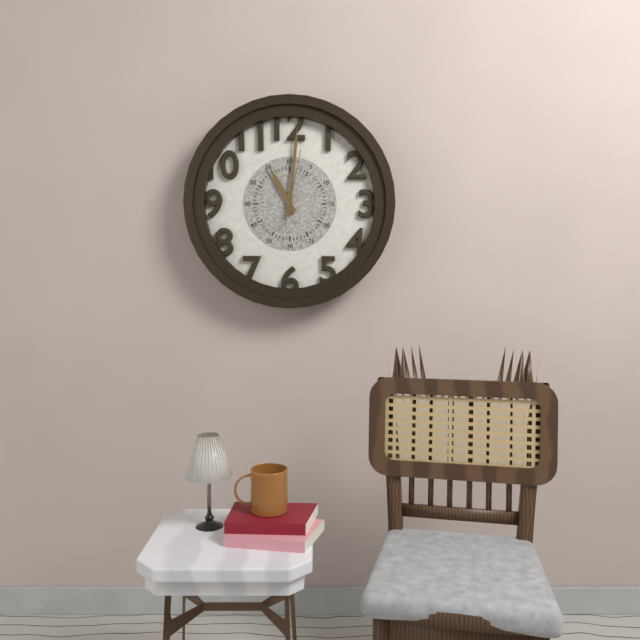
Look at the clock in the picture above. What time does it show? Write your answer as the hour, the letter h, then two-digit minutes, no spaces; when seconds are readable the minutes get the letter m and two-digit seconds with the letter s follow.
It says 11h01m02s
